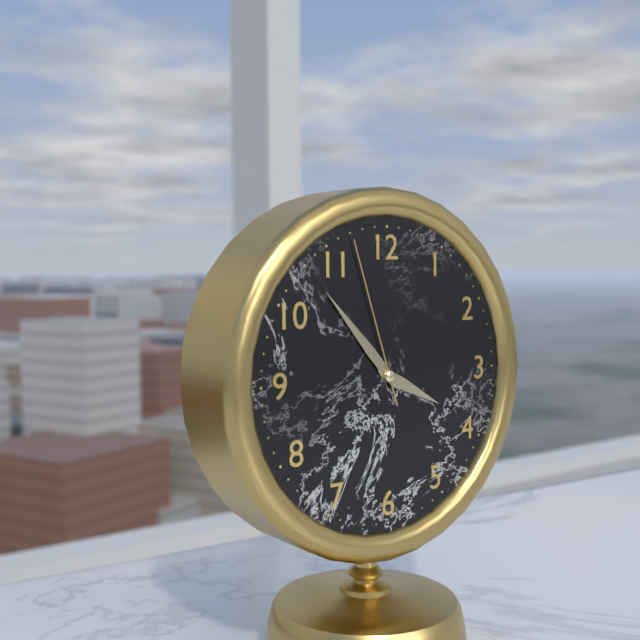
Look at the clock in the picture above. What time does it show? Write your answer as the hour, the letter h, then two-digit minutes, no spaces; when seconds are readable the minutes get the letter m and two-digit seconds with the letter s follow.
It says 3h53m57s
